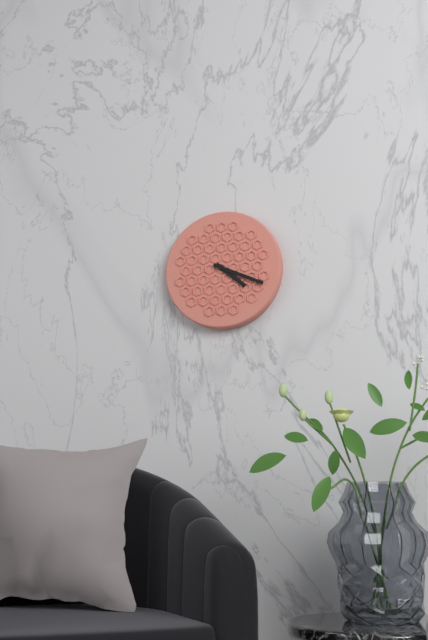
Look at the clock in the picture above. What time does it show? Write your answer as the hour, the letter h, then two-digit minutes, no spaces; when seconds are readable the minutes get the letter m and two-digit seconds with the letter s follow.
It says 4h19
